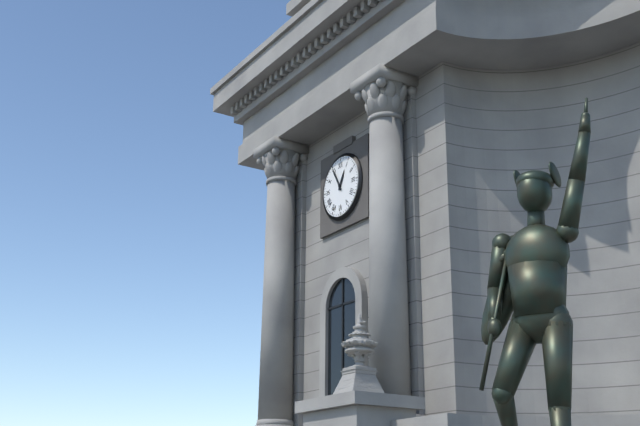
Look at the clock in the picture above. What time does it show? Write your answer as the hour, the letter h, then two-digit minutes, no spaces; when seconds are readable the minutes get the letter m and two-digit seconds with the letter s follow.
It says 12h55
